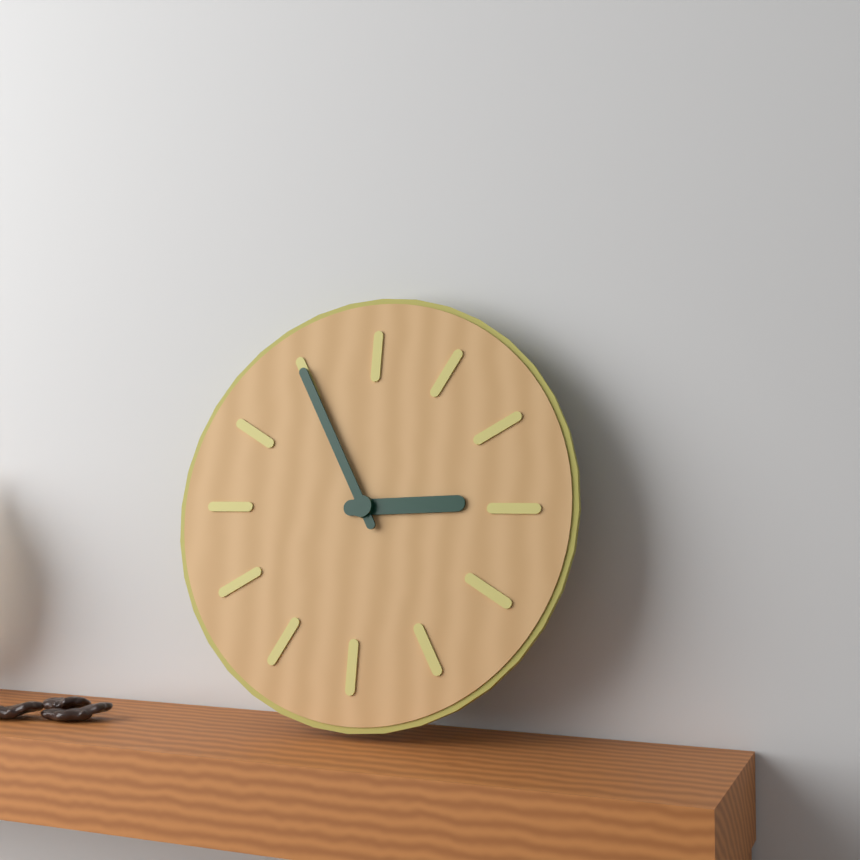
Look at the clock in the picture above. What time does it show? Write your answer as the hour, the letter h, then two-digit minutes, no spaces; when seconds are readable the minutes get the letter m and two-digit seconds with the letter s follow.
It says 2h55
